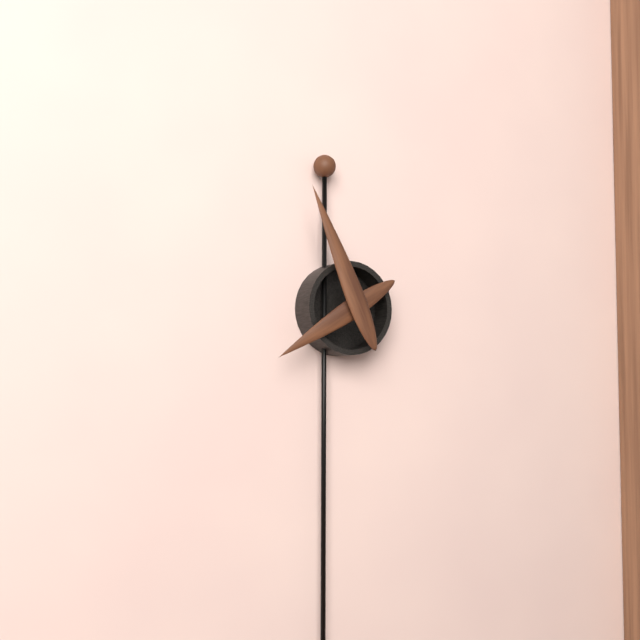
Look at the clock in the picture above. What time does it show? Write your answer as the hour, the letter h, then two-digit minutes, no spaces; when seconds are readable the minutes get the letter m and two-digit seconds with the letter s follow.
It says 7h56
